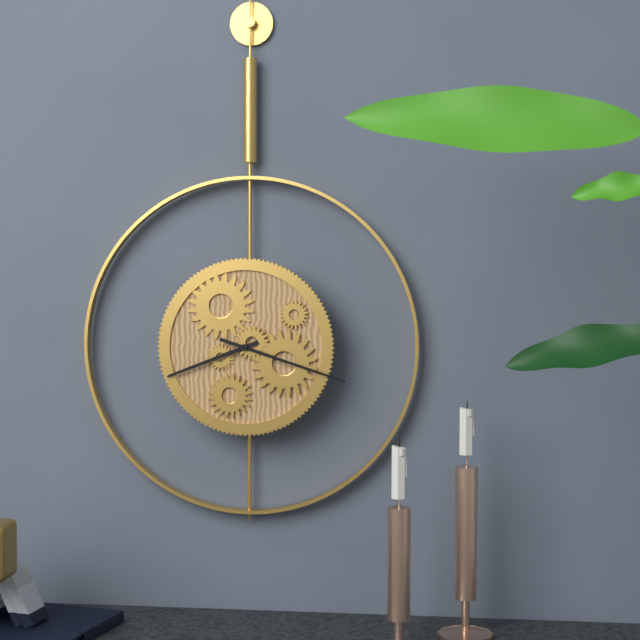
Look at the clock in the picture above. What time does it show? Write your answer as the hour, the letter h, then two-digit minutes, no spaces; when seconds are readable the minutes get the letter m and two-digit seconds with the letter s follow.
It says 8h18
